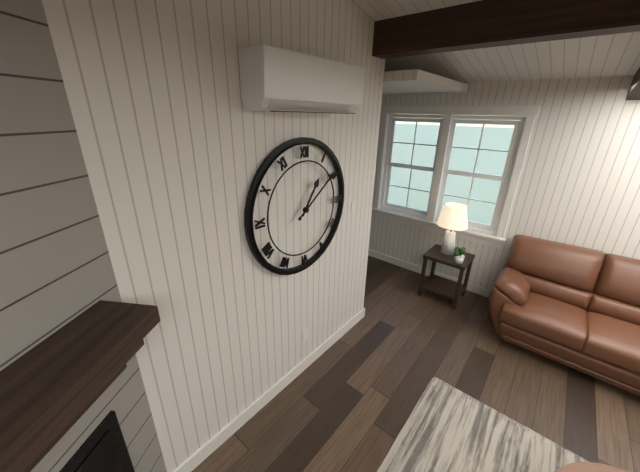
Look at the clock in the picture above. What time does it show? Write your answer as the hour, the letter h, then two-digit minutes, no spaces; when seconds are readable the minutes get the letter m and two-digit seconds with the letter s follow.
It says 1h09
